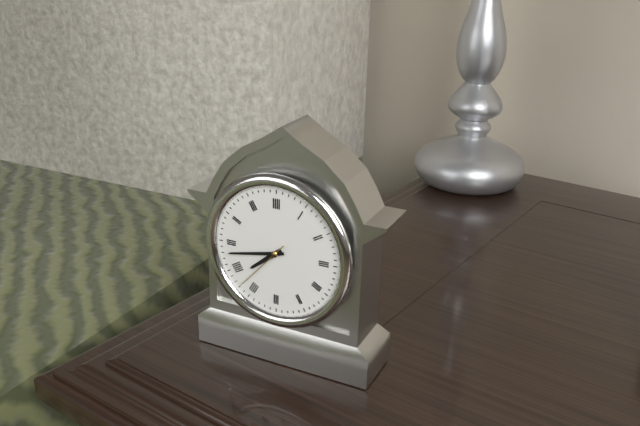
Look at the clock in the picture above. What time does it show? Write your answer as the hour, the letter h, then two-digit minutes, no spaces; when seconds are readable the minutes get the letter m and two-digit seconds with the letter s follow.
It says 7h43m37s
